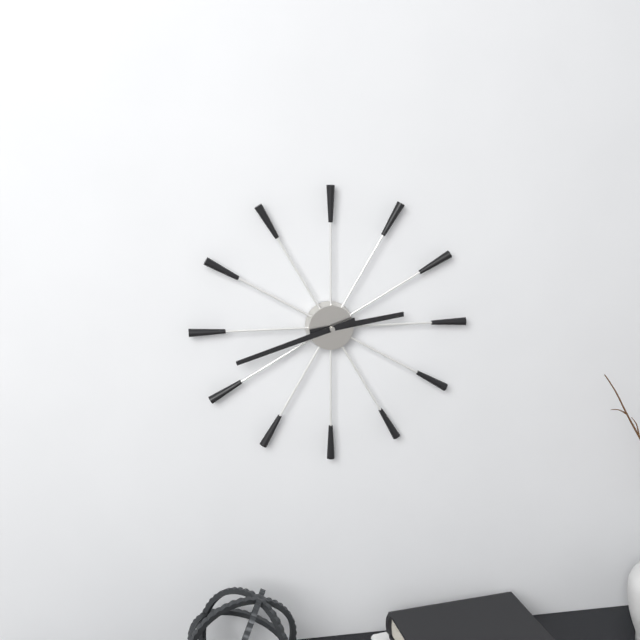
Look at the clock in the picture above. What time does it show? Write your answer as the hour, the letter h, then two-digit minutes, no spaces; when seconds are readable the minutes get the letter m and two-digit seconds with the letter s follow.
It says 2h42
